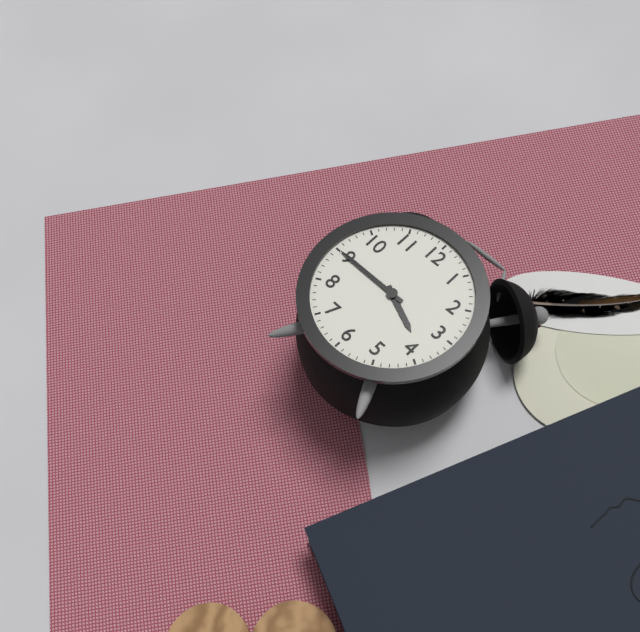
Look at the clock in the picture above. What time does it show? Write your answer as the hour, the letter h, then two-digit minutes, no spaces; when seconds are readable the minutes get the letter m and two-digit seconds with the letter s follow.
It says 3h45
